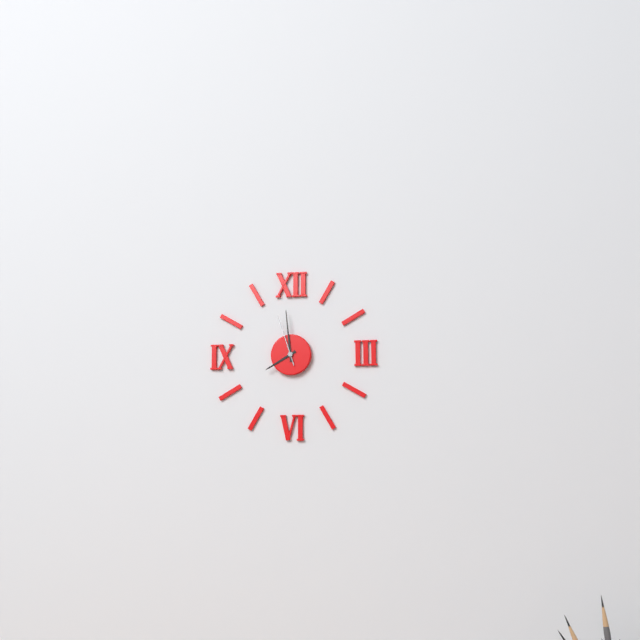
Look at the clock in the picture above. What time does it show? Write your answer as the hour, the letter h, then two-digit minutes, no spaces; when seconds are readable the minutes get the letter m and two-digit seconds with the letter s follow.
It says 7h59m57s
